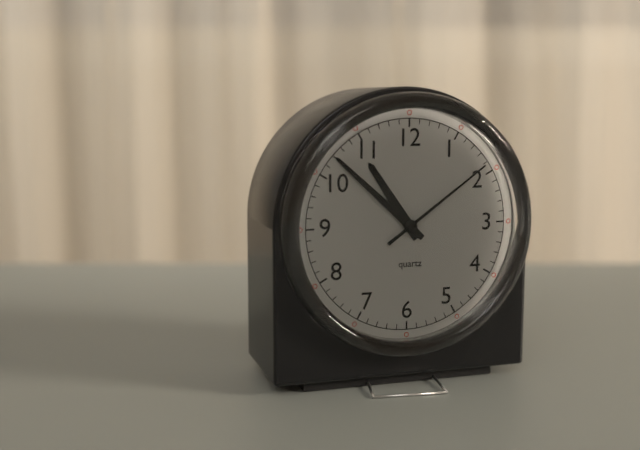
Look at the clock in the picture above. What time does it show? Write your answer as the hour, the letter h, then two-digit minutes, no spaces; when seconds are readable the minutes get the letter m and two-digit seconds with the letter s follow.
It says 10h52m09s
